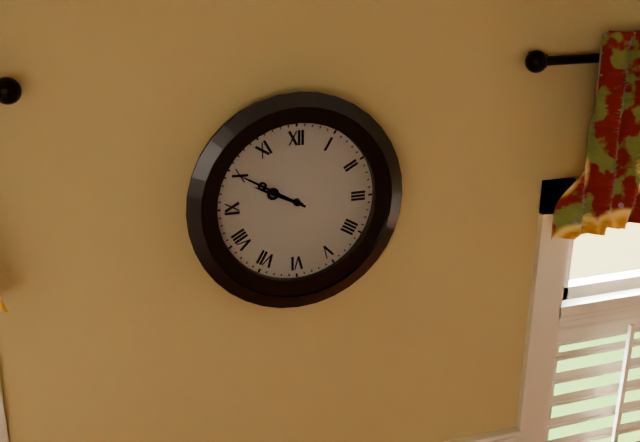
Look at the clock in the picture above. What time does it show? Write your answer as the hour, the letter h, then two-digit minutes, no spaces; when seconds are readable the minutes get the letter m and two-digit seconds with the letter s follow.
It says 9h50
